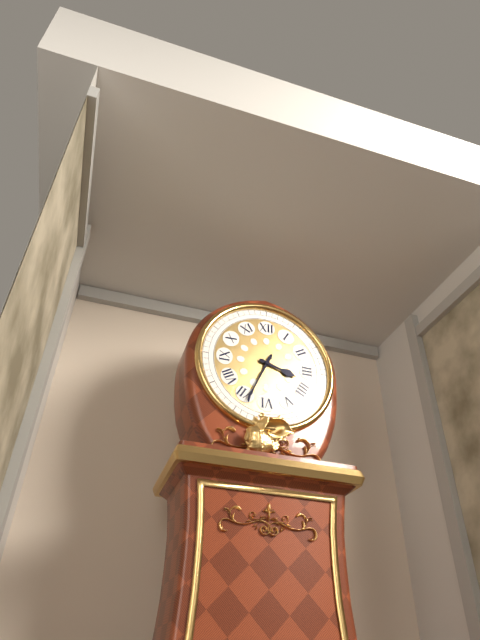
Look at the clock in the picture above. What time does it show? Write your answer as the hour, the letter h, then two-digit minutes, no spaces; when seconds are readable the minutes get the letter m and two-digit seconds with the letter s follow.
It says 3h34
